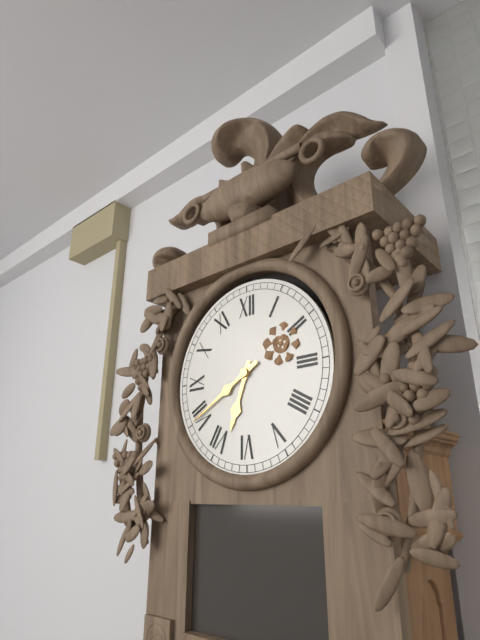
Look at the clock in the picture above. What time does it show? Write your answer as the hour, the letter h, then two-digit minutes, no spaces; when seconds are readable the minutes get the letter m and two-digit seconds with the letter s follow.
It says 6h40
